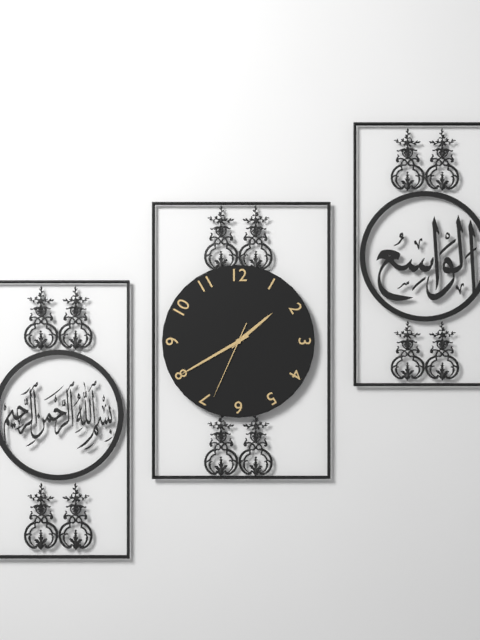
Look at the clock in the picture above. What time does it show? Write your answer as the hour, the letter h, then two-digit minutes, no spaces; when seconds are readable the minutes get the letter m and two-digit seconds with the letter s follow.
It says 1h40m34s
